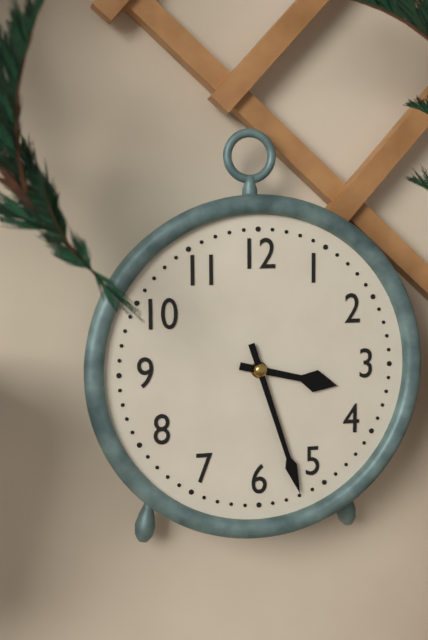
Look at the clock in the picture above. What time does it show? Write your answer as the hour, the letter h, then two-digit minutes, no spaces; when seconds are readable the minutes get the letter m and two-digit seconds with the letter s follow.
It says 3h27
